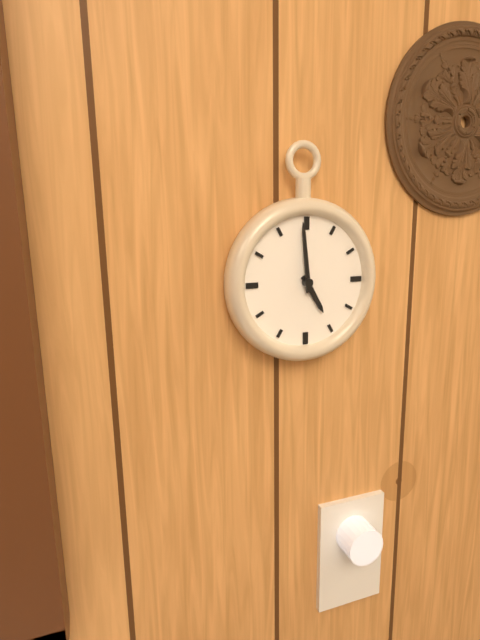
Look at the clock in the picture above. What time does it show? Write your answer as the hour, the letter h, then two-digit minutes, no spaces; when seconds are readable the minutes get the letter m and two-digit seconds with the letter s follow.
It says 4h59
